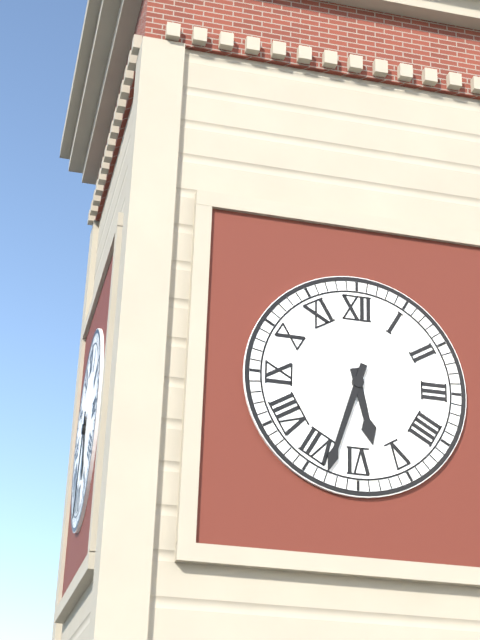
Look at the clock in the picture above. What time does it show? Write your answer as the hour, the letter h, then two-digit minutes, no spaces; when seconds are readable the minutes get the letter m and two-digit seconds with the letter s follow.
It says 5h33
